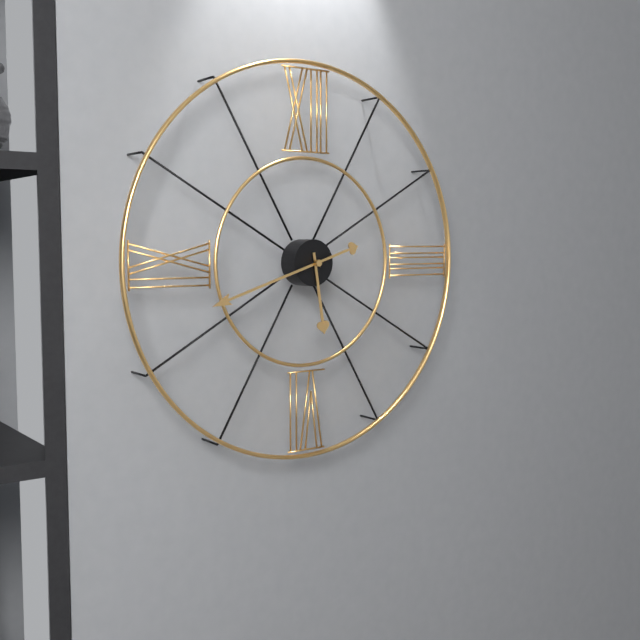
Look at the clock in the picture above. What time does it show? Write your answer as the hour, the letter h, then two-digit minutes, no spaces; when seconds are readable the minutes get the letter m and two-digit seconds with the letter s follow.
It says 5h42
